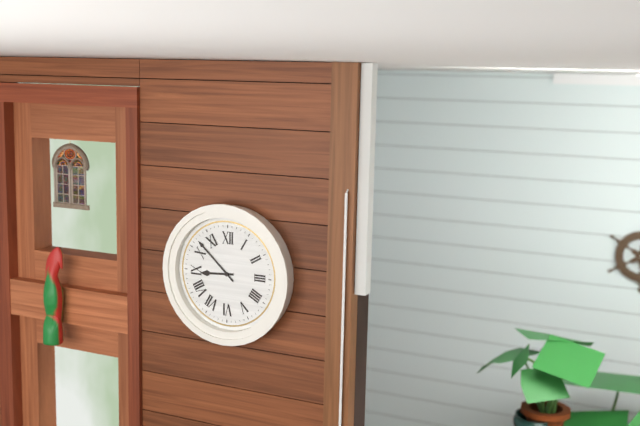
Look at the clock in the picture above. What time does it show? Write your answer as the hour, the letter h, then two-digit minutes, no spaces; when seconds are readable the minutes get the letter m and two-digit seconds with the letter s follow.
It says 8h52
